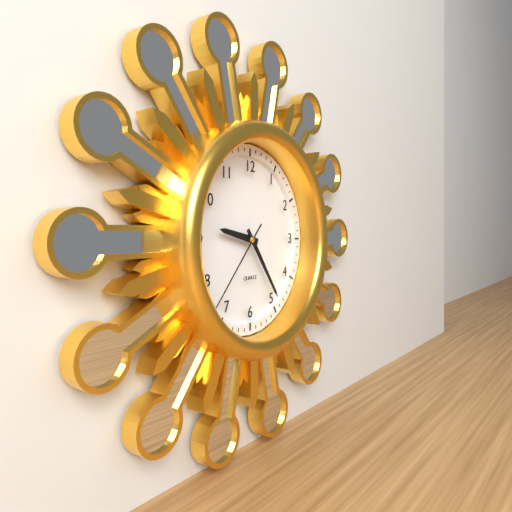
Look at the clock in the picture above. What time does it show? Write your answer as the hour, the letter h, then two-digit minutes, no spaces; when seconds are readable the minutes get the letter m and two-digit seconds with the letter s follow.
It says 9h24m37s
